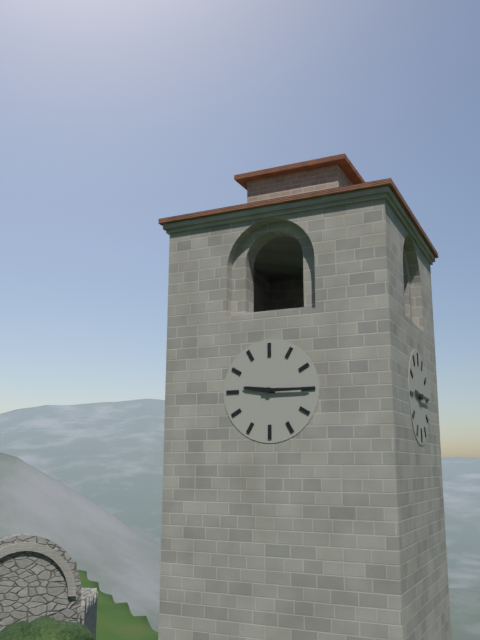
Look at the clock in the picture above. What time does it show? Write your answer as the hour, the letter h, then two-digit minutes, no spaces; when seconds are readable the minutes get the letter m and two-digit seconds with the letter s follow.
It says 9h15
